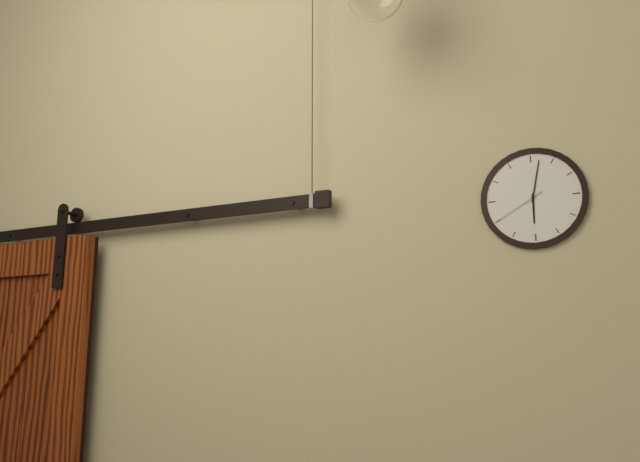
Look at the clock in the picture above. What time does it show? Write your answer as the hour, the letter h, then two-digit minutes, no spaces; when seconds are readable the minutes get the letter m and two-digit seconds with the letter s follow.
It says 6h02m40s
